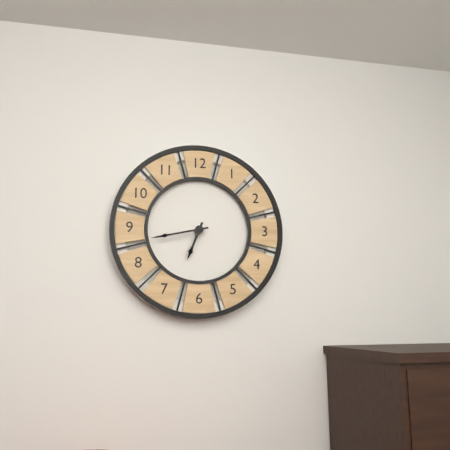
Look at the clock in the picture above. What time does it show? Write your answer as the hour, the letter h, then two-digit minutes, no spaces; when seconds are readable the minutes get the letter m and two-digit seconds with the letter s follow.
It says 6h43
